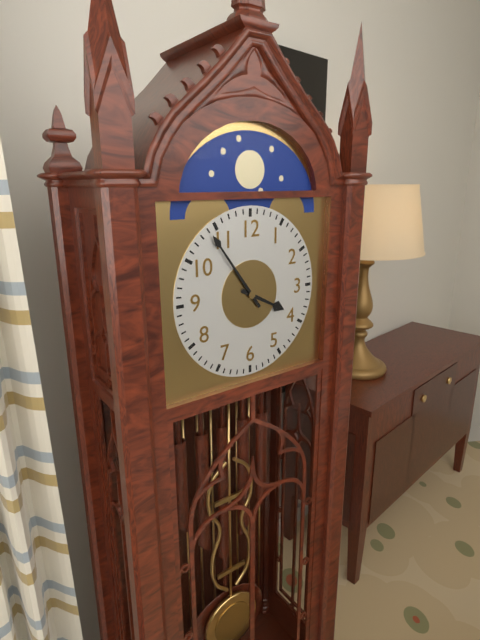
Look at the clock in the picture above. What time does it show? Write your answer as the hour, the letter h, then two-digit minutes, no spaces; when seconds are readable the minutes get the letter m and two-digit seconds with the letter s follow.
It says 3h54
